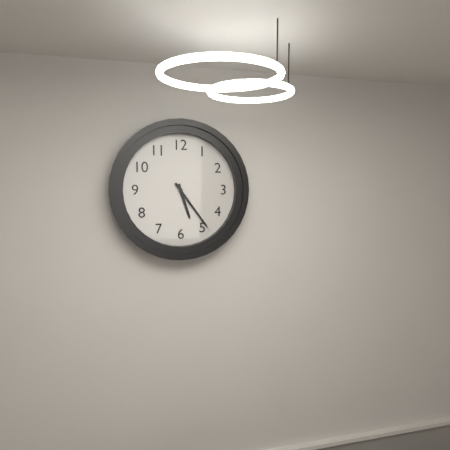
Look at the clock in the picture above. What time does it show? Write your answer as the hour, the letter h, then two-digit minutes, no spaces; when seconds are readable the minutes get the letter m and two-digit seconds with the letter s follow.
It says 5h24
